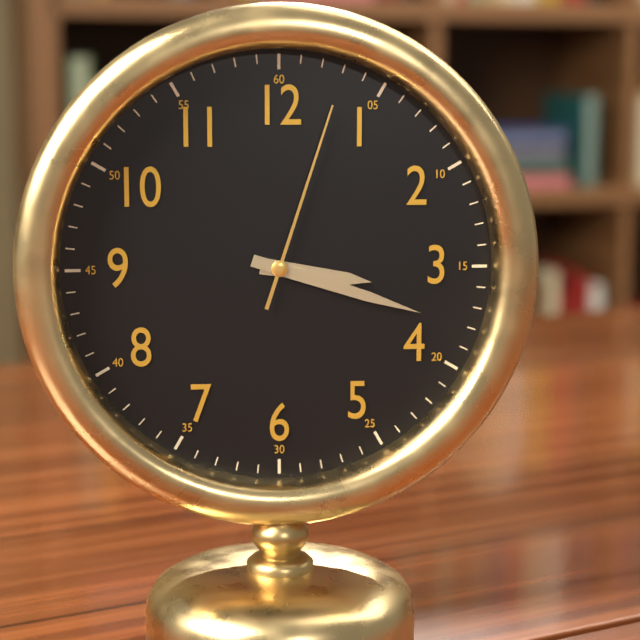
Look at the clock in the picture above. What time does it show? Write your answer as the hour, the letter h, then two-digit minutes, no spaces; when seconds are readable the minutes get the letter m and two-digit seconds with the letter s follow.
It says 3h18m03s
